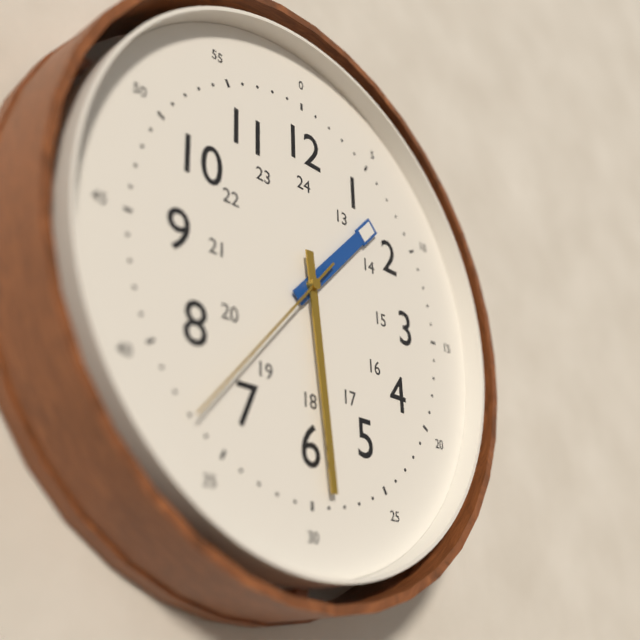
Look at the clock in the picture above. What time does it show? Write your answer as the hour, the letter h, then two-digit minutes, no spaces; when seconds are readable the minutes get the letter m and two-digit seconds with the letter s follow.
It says 1h29m37s
